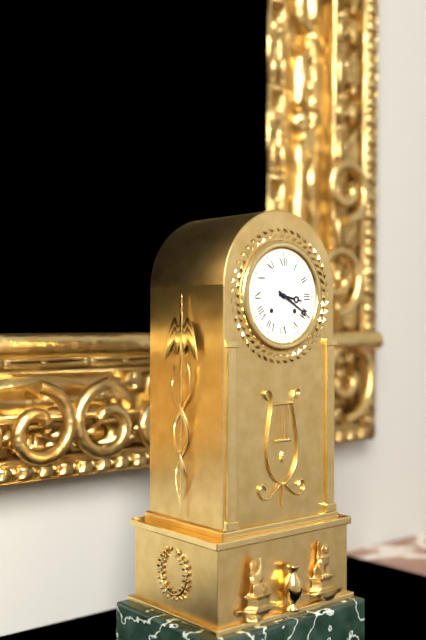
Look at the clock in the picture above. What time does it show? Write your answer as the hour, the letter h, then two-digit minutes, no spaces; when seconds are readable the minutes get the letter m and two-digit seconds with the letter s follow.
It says 3h20
